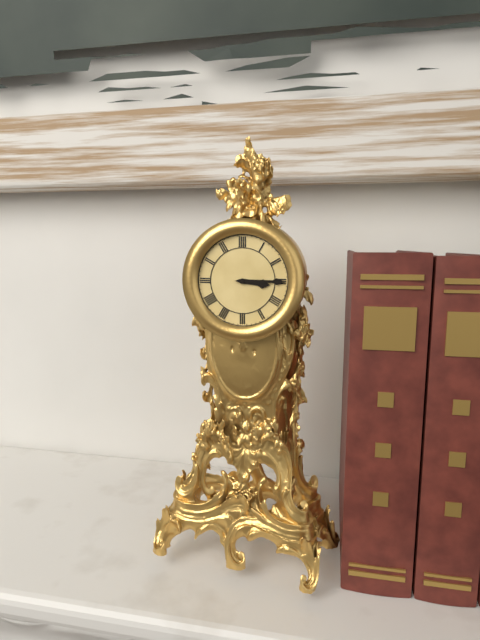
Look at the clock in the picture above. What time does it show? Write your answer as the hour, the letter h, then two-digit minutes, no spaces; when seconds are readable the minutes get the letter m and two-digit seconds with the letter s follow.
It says 3h15
